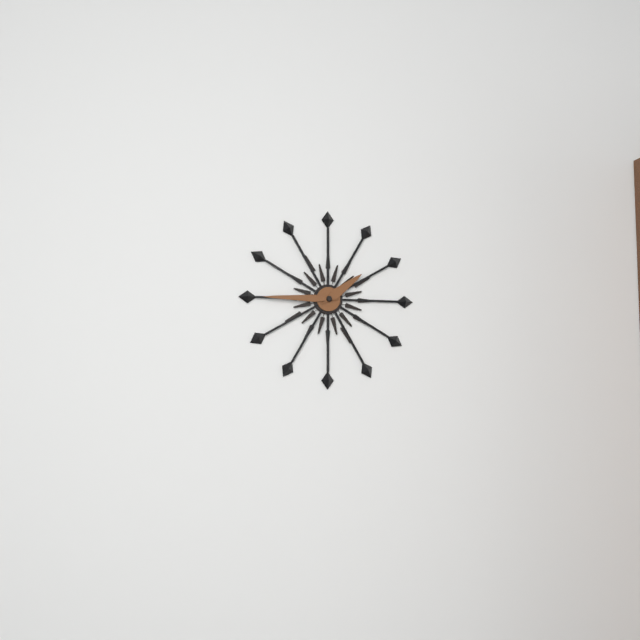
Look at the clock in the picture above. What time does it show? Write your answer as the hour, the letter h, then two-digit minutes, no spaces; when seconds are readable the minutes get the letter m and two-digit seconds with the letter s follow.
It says 1h45
